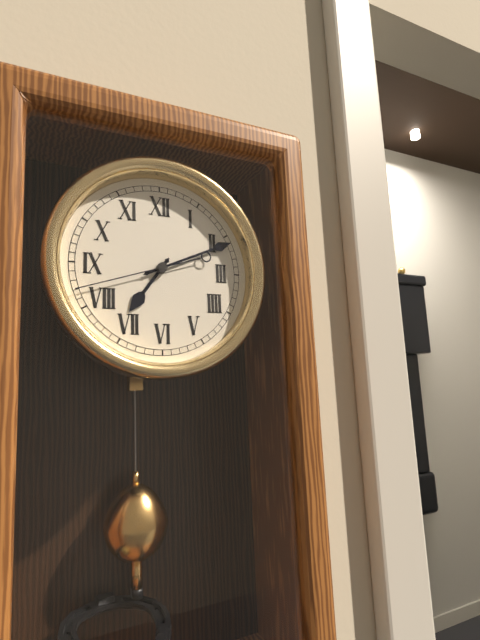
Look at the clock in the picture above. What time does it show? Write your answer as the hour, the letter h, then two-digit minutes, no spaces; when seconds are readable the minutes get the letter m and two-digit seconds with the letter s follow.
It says 7h11m42s
